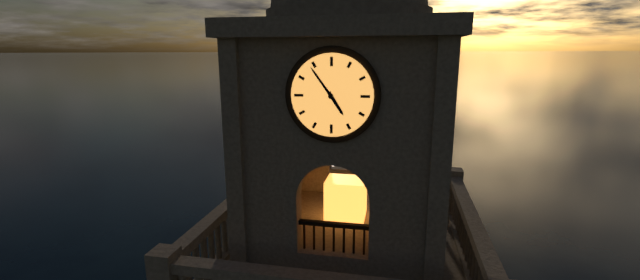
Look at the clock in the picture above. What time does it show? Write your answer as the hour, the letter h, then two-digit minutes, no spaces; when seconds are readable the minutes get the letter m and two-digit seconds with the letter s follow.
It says 4h54
